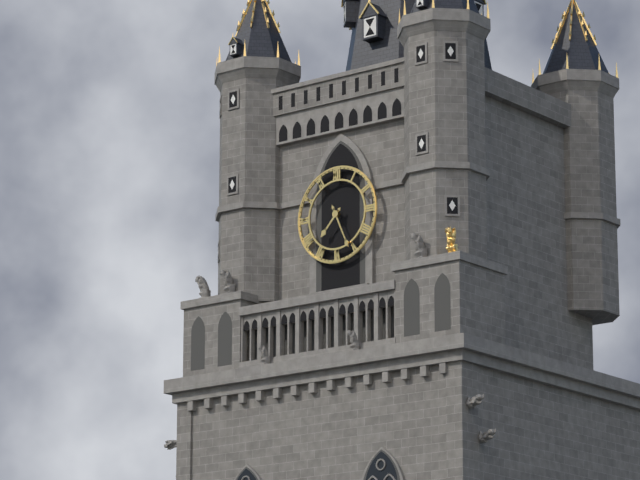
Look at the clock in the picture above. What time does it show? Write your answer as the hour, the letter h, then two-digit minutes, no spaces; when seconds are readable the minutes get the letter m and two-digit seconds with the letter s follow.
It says 7h26
